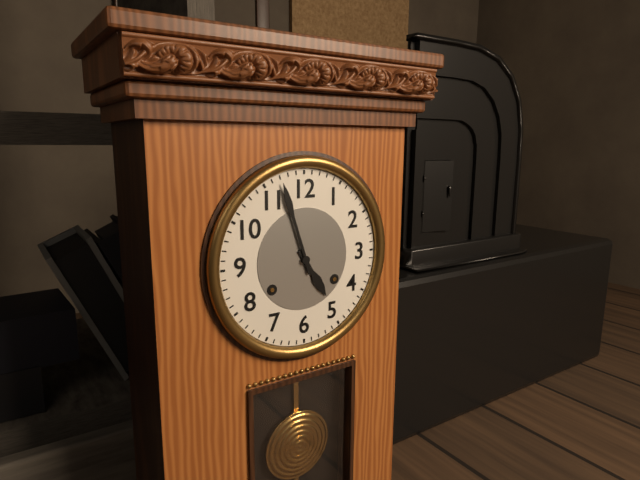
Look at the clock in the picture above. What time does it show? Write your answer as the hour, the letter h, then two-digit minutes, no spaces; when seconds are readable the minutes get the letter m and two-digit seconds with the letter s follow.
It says 4h57
